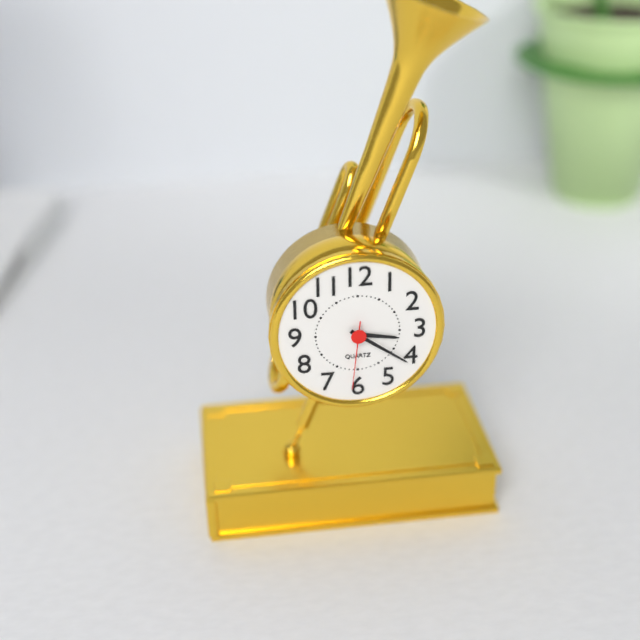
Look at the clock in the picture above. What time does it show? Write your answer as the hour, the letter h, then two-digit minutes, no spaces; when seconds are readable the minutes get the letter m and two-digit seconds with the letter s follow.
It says 3h21m31s
